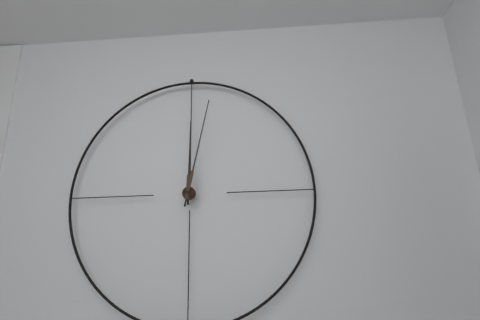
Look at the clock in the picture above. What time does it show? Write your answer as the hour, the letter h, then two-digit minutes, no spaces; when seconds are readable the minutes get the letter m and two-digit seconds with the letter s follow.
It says 12h02
